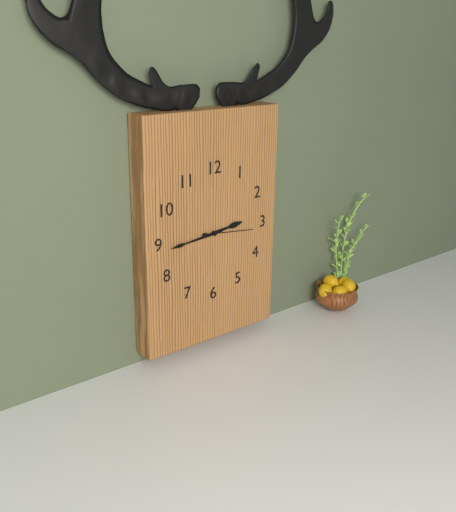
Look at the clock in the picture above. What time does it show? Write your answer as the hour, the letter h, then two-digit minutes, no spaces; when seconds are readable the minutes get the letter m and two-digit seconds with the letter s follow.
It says 2h44m16s
